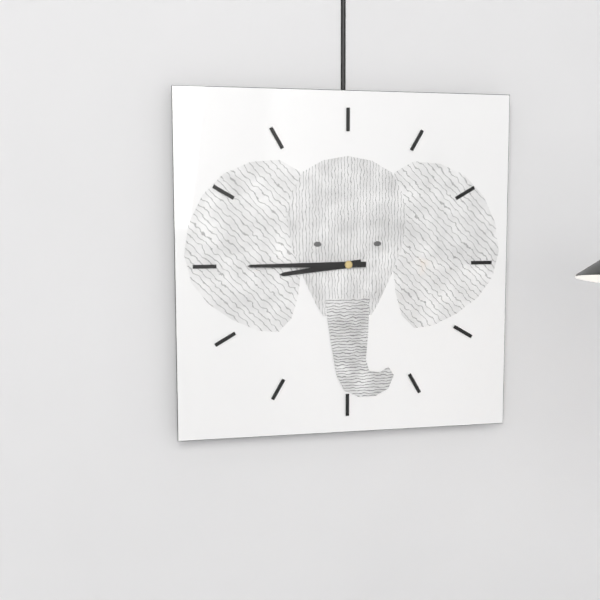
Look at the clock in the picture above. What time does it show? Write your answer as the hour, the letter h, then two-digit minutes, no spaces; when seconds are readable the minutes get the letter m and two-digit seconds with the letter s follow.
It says 8h45
